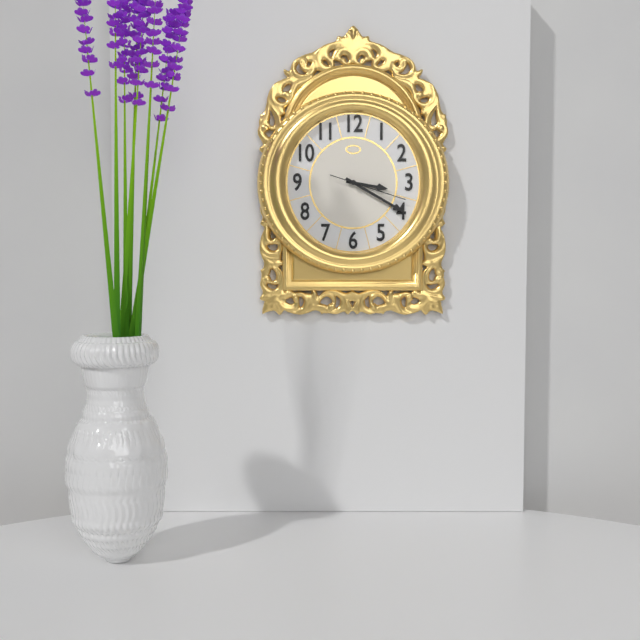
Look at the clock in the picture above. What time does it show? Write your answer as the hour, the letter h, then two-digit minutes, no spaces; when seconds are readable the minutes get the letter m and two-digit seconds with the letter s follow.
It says 3h20m18s
